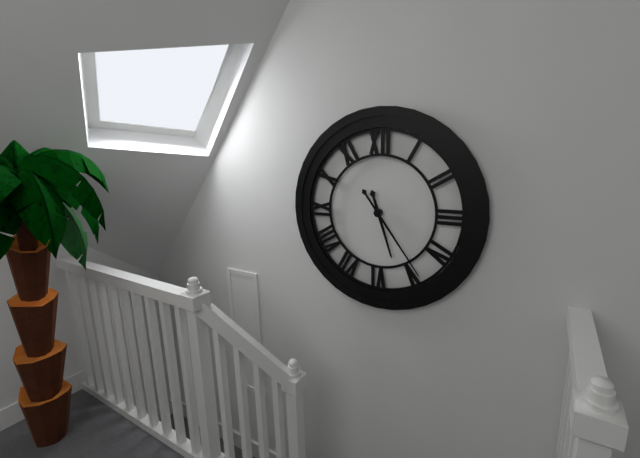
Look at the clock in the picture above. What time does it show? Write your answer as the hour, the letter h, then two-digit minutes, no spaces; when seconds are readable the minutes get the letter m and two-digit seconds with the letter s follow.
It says 5h24
